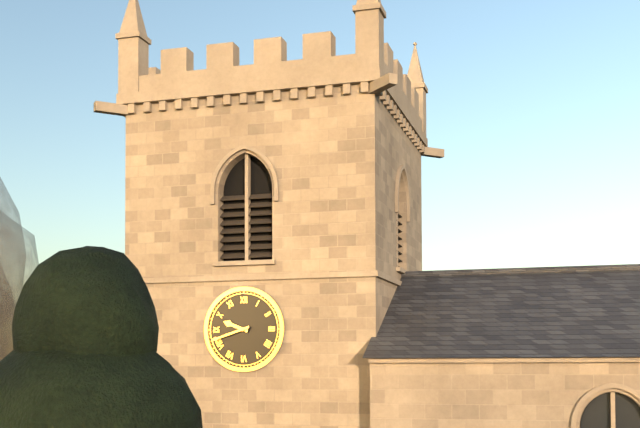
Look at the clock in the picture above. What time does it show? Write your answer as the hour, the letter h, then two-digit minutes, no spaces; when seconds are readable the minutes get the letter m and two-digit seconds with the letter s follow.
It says 9h42
